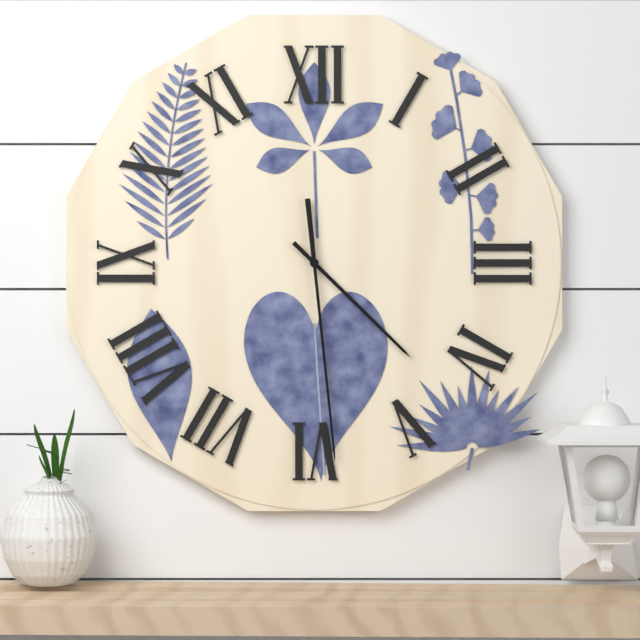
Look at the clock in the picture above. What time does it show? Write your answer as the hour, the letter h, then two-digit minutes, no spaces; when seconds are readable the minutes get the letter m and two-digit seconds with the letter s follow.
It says 4h29
